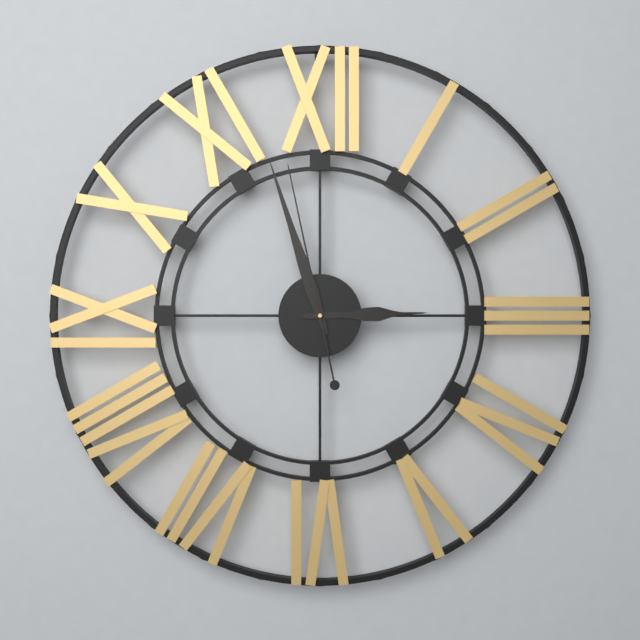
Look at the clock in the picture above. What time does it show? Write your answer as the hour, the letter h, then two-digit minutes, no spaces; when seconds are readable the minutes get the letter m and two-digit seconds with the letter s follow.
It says 2h57m58s
